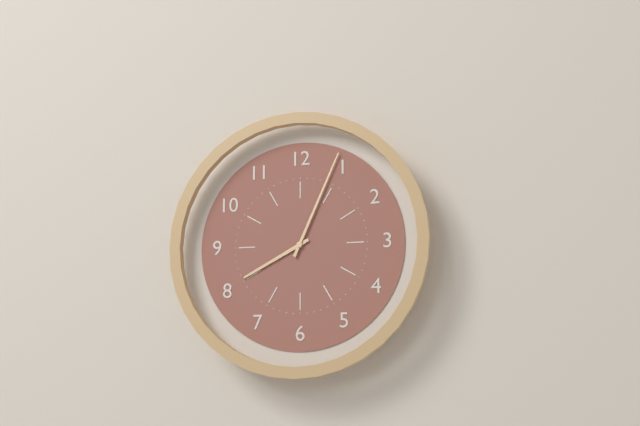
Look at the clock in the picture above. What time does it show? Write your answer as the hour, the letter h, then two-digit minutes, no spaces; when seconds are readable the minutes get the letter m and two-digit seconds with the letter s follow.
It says 8h04
